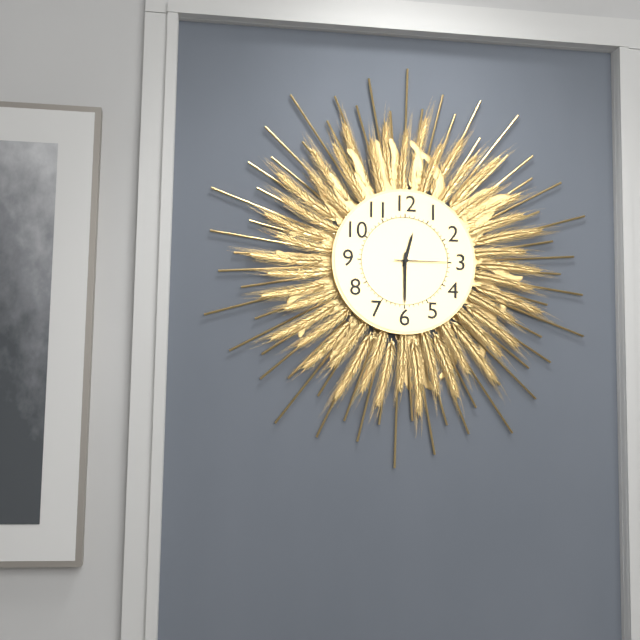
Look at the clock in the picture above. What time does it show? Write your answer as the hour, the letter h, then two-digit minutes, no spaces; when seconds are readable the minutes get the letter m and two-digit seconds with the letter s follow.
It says 12h30m15s
